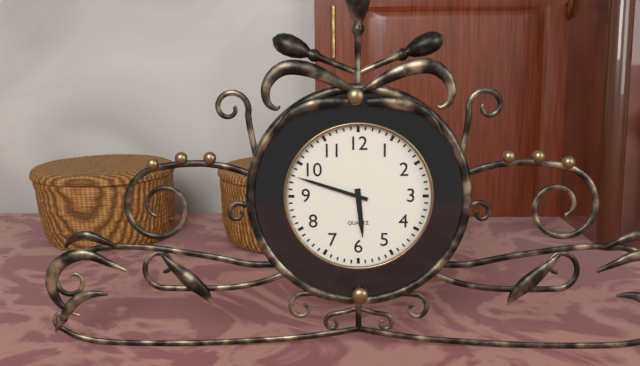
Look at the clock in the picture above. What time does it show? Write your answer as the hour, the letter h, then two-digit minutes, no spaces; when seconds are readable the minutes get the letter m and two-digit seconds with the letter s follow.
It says 5h48
